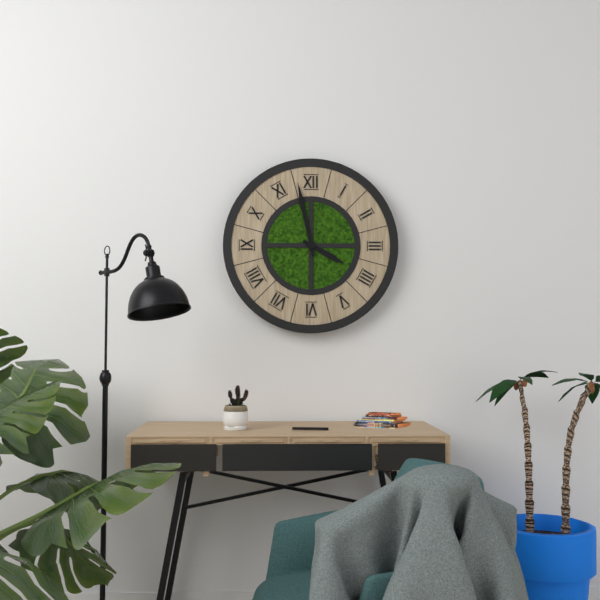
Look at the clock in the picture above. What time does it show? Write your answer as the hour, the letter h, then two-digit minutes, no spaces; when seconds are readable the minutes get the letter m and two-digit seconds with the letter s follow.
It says 3h58
